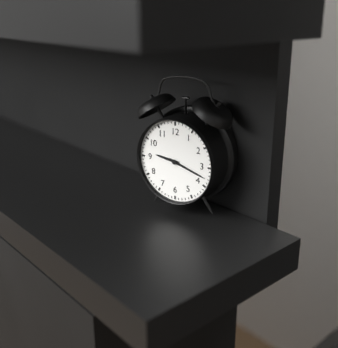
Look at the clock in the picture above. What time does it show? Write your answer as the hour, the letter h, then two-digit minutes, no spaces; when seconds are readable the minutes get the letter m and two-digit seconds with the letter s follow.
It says 9h18
